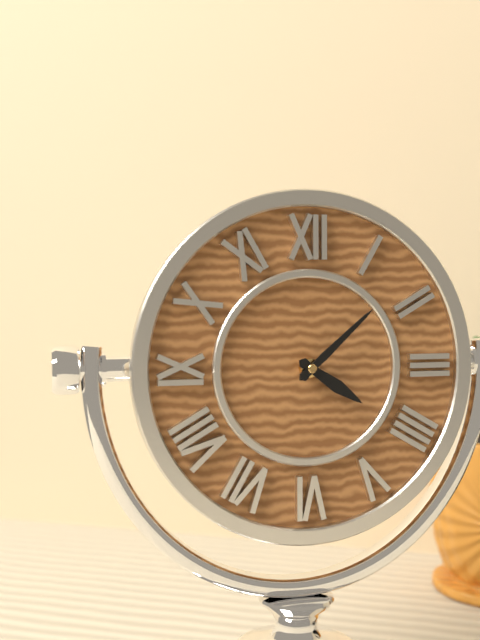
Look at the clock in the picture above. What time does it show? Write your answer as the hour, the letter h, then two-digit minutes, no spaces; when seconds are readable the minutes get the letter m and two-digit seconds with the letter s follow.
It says 4h08
